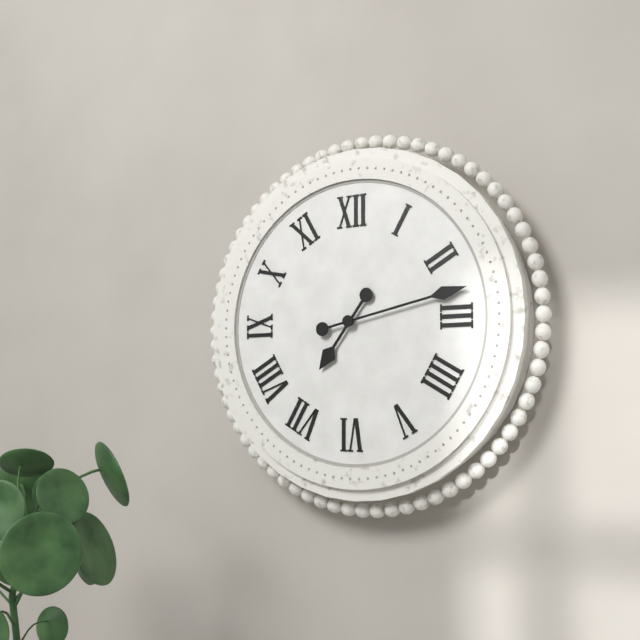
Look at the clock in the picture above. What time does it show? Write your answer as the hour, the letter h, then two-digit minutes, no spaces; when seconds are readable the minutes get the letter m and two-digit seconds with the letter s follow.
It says 7h13
